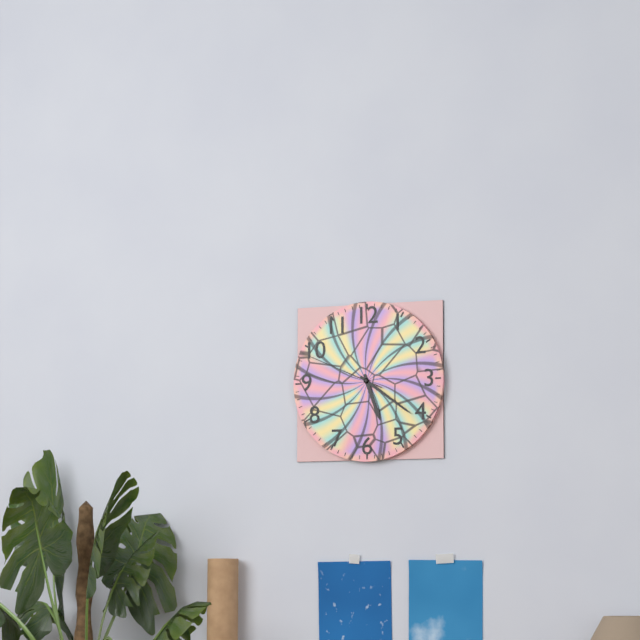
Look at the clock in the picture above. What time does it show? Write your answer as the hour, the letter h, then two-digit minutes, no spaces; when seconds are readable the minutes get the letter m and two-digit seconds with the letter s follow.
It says 5h21m49s
